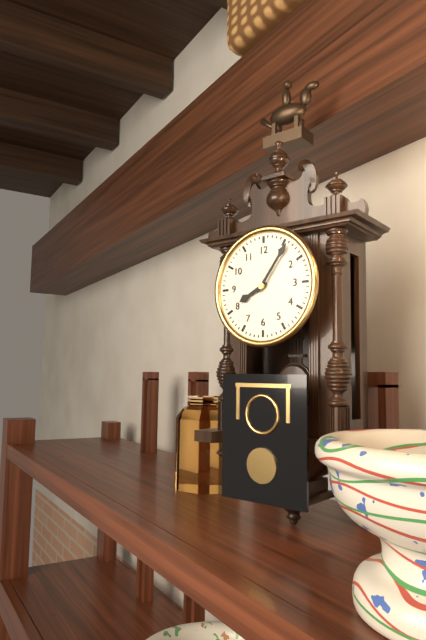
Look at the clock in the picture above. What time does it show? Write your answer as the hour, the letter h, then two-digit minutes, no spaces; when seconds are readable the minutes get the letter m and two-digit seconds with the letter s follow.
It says 8h06
